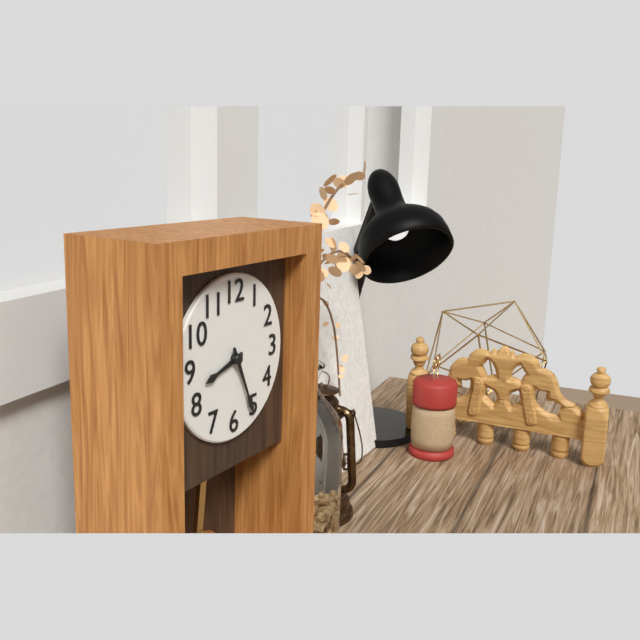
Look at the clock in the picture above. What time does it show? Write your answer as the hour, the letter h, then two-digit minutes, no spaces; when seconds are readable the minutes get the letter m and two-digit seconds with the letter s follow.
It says 8h26
